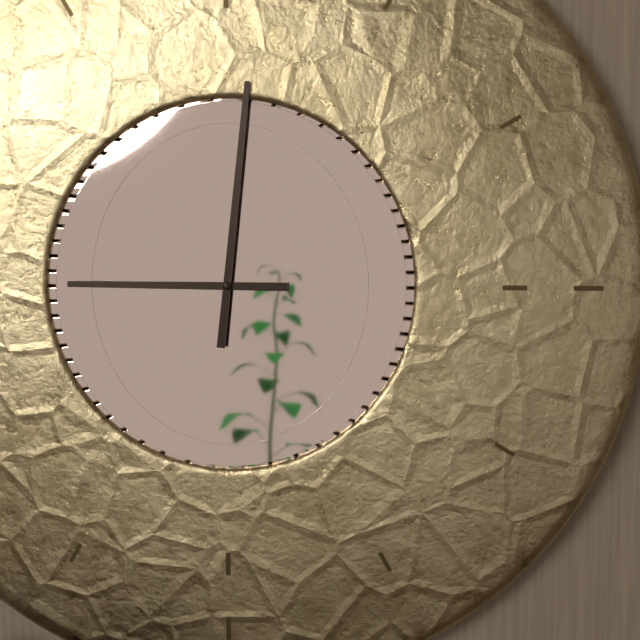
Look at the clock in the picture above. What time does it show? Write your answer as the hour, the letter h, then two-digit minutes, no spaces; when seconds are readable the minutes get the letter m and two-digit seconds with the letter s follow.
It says 9h01
